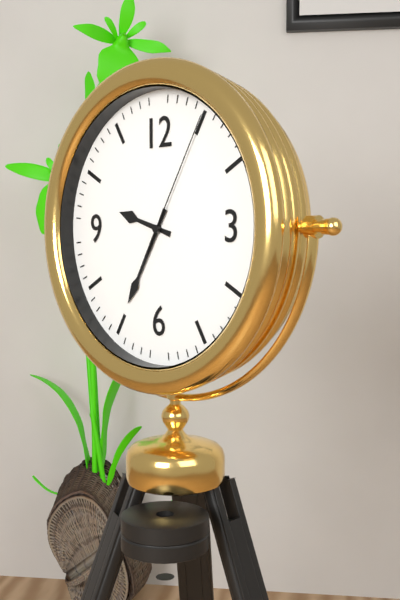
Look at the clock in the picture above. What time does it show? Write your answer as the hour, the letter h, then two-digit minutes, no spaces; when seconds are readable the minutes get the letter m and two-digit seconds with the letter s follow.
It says 9h35m05s
